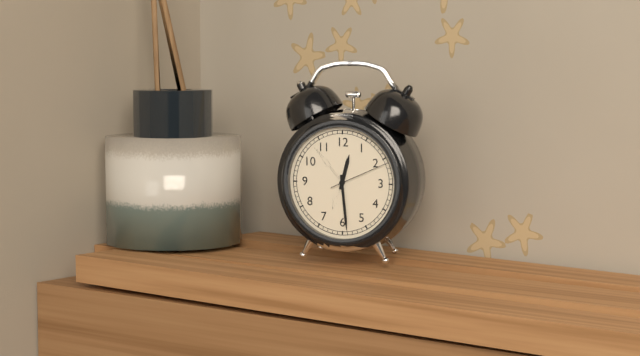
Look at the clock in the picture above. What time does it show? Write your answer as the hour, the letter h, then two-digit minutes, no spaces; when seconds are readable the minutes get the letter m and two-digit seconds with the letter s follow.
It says 12h29m11s
